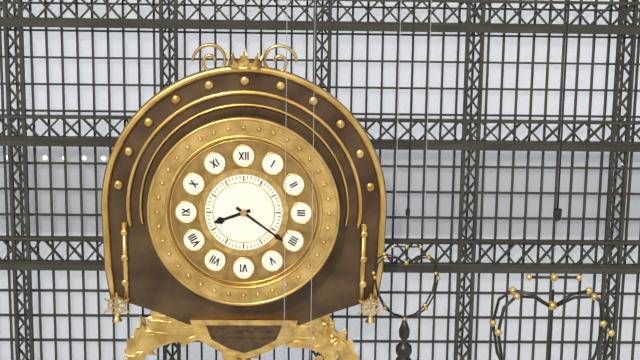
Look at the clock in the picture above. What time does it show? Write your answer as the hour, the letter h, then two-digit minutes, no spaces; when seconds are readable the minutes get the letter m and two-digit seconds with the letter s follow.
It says 8h21
